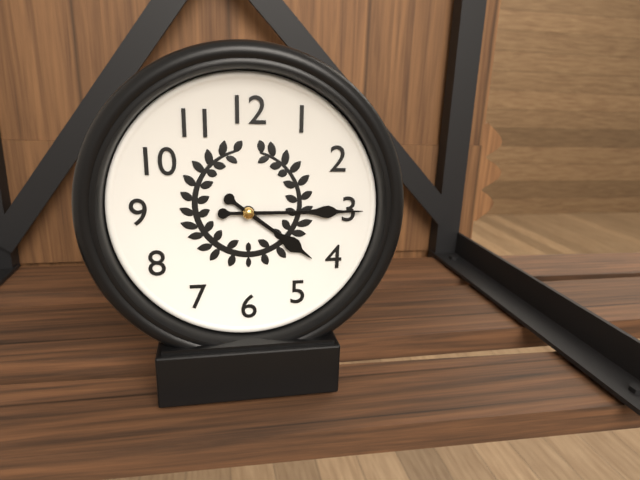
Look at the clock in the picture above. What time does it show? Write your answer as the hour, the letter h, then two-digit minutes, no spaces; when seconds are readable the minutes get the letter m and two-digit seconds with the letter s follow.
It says 4h15
